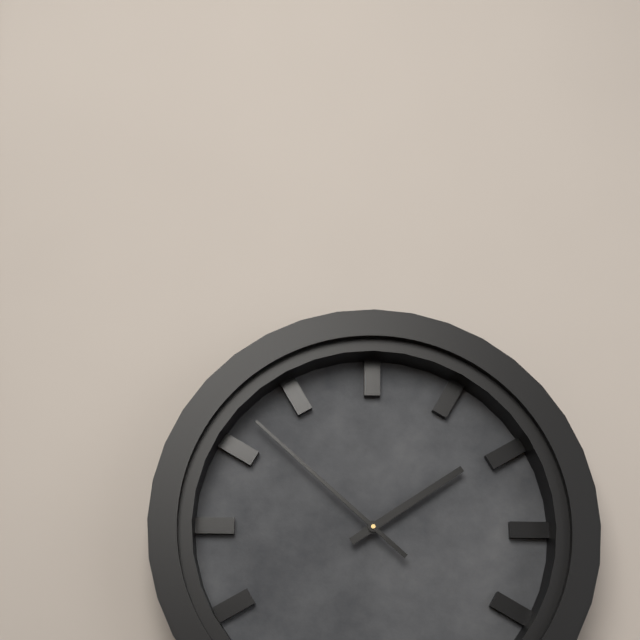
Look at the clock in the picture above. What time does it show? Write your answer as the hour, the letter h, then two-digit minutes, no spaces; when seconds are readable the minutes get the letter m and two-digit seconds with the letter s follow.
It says 1h52
